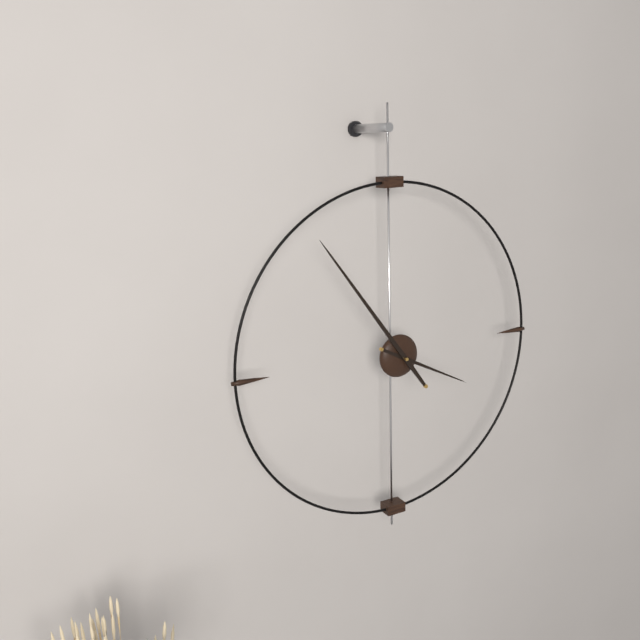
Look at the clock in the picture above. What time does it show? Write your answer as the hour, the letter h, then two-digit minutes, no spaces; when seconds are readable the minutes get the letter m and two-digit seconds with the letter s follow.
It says 3h54
